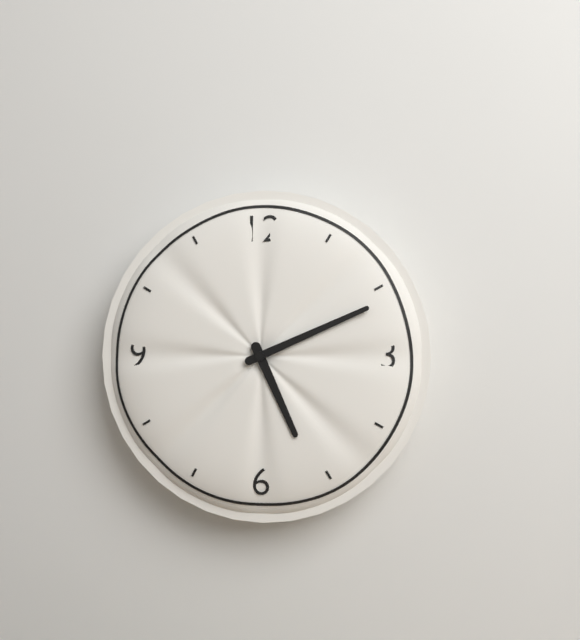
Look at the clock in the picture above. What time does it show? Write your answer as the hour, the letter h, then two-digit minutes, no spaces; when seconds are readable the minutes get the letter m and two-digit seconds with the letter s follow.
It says 5h11
